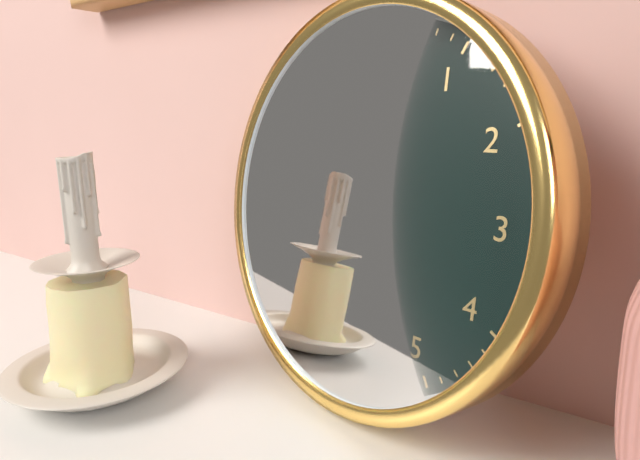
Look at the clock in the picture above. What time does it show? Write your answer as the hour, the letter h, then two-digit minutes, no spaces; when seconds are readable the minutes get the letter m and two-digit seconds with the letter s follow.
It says 7h57m28s
